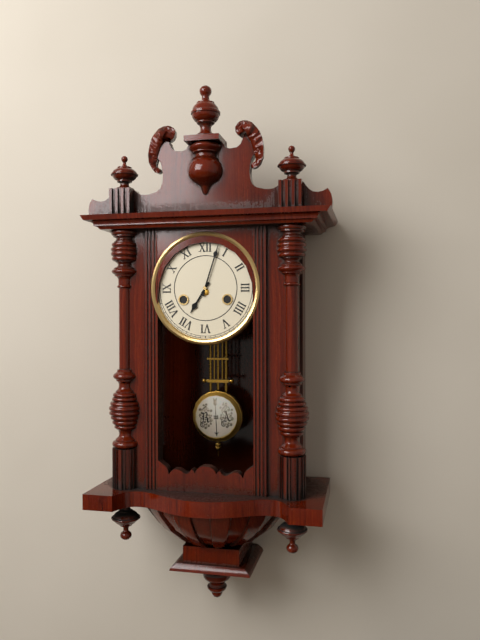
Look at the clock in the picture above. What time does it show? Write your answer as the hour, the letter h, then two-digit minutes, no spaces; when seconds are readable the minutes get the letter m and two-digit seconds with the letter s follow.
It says 7h03
